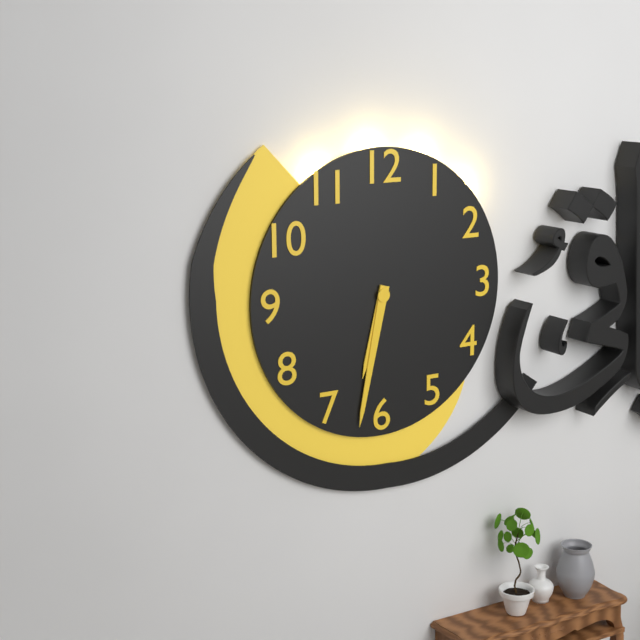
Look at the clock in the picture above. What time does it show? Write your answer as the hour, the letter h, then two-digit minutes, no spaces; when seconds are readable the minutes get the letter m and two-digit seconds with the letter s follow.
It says 6h32
